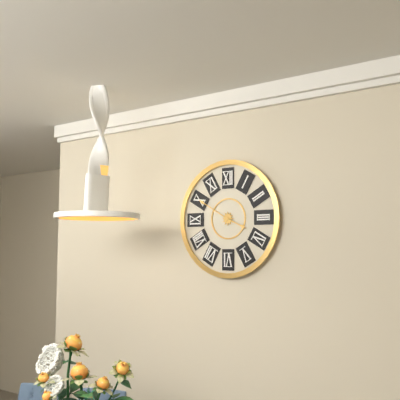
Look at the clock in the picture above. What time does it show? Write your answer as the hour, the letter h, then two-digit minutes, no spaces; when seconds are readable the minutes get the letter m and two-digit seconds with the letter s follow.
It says 3h50
